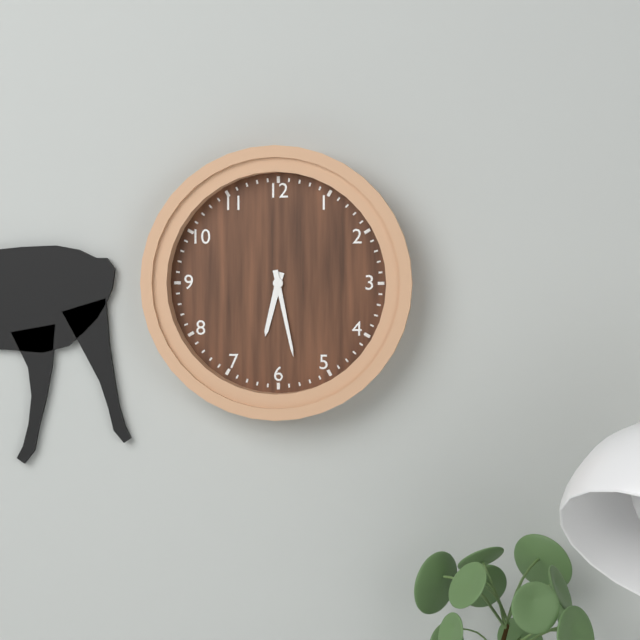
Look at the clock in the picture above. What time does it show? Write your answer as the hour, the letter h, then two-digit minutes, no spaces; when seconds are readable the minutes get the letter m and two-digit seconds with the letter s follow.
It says 6h28
